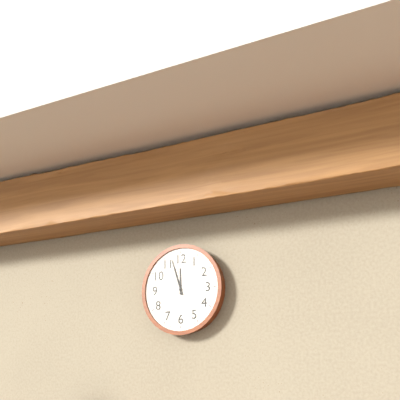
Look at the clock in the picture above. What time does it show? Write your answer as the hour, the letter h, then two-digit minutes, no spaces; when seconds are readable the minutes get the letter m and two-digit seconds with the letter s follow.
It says 11h57
